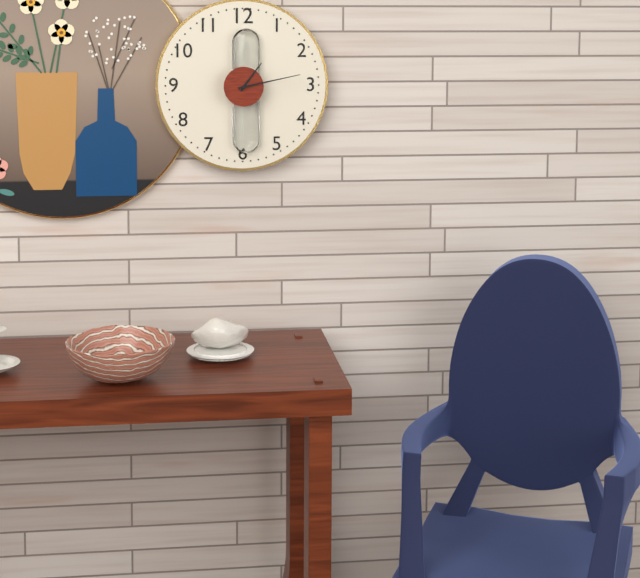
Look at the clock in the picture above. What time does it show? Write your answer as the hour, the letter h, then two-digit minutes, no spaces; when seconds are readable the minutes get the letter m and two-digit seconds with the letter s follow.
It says 1h13
